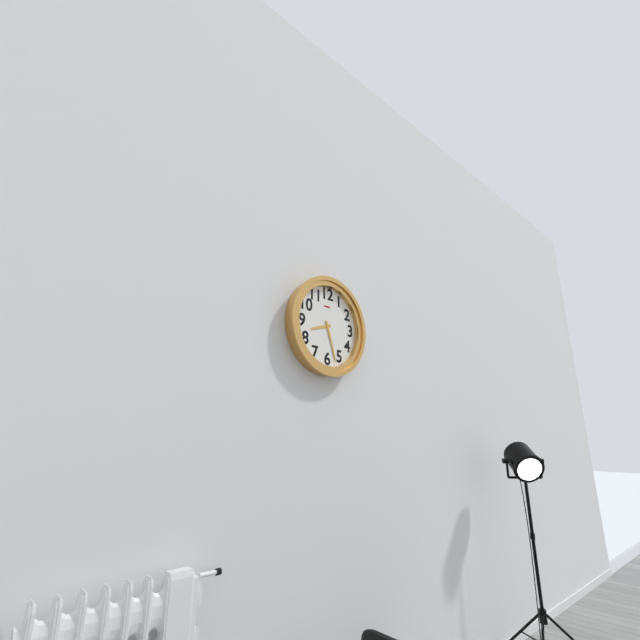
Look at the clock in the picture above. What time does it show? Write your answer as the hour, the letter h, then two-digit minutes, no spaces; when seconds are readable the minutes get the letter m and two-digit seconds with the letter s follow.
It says 8h27
